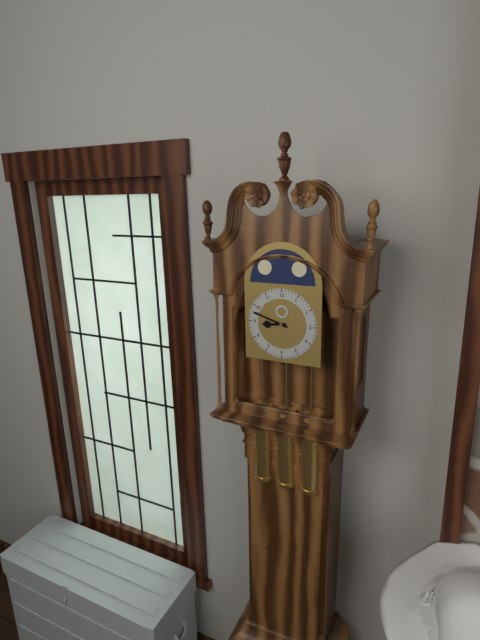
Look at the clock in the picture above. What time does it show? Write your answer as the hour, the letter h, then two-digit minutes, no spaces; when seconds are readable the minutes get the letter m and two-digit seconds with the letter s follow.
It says 8h48
